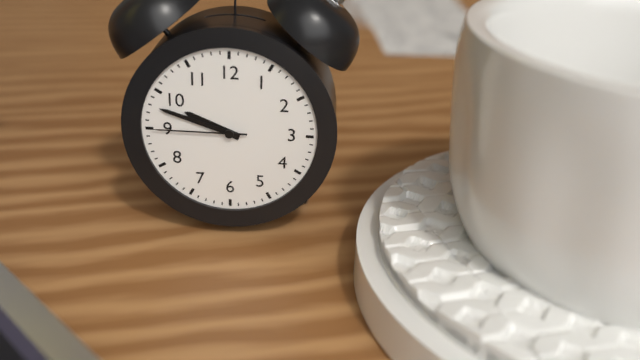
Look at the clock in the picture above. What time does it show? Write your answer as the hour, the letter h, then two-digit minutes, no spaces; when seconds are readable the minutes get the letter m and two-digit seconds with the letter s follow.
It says 9h48m45s
